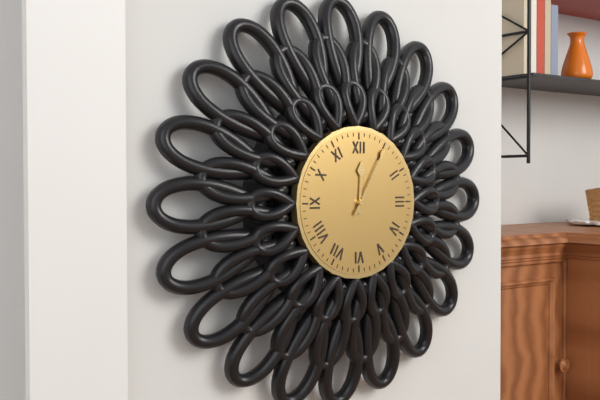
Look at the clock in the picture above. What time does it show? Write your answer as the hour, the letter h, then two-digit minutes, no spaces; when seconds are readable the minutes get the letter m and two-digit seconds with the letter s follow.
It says 12h05
